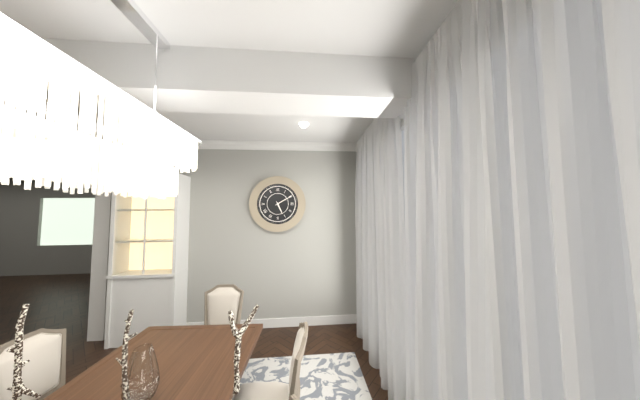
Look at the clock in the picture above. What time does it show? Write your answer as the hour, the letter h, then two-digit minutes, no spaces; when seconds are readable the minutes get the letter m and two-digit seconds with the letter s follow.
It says 5h10
